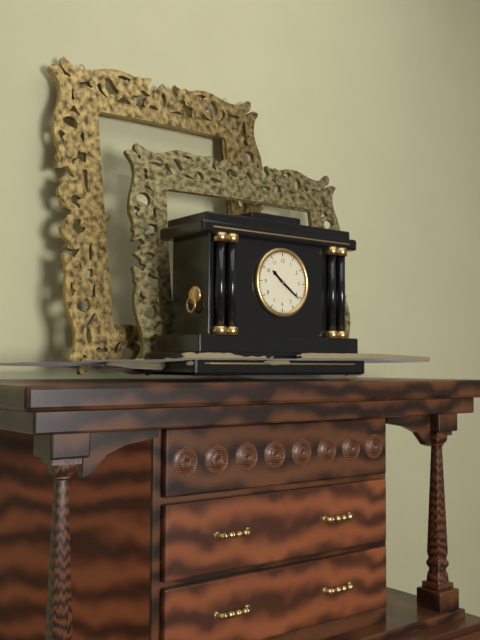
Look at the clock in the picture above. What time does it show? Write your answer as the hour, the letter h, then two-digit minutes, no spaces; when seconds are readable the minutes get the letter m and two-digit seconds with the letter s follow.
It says 10h21
